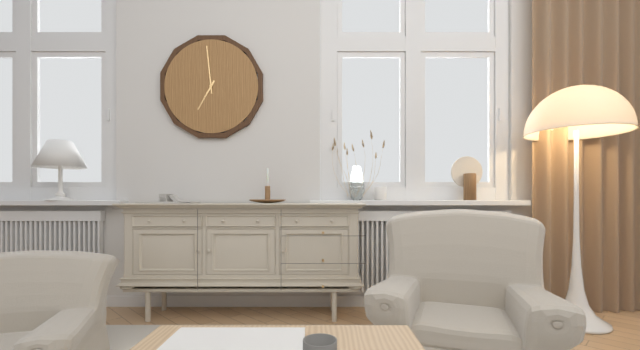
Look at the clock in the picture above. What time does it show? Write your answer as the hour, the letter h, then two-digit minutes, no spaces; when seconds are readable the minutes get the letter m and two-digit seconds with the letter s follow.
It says 6h59
